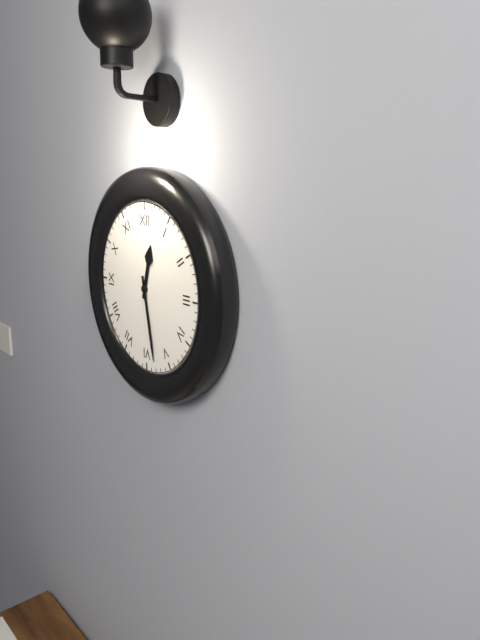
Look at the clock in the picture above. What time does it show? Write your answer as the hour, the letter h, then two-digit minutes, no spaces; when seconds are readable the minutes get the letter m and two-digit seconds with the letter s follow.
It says 12h28
